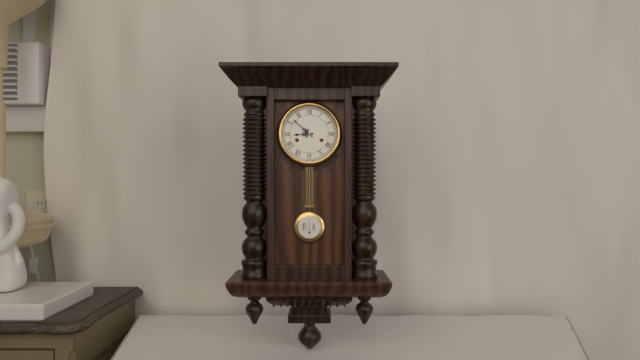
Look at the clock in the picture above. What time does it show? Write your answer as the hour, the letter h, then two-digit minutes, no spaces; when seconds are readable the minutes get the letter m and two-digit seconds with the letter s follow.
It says 8h52
